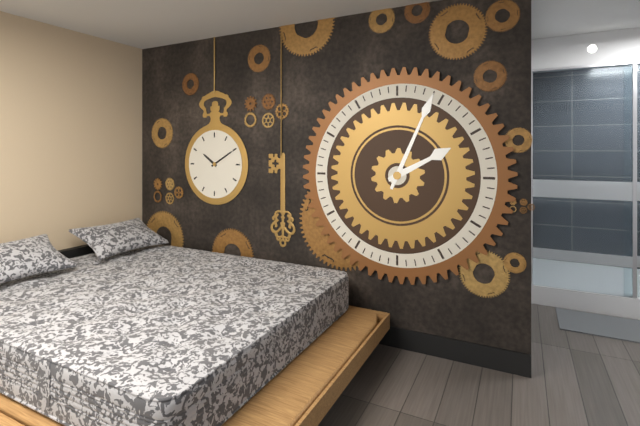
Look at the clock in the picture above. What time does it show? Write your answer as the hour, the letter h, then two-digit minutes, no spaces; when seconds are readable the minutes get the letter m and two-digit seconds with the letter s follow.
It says 2h04
